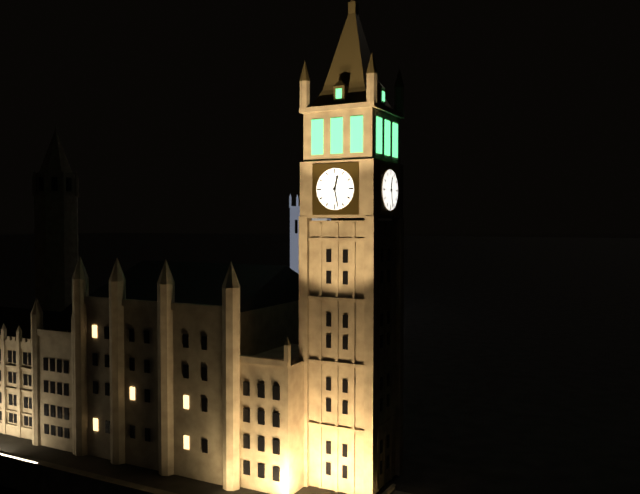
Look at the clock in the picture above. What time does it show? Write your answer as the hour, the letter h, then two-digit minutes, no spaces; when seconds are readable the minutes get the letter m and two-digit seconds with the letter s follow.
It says 12h28
